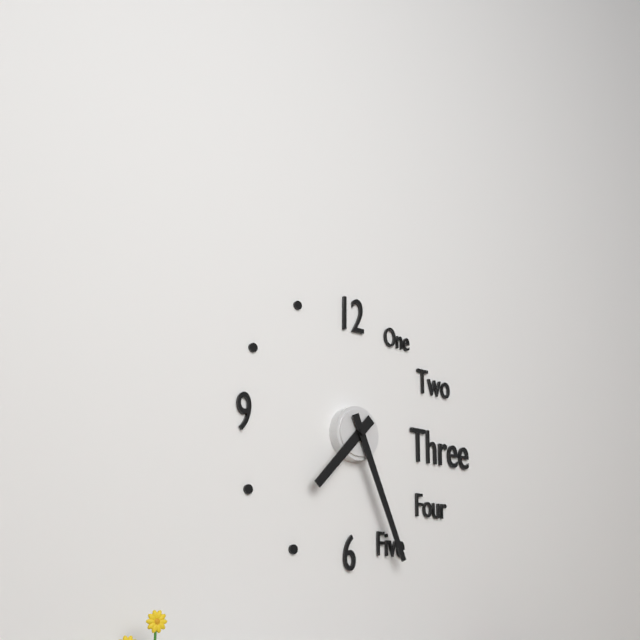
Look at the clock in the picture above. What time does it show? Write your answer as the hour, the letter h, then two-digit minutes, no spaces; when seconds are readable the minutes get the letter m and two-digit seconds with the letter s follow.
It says 7h26
